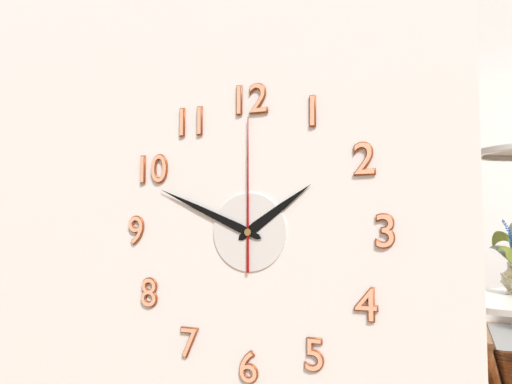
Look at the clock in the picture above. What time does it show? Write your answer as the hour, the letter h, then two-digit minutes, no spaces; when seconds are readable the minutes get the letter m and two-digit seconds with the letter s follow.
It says 1h49m00s
